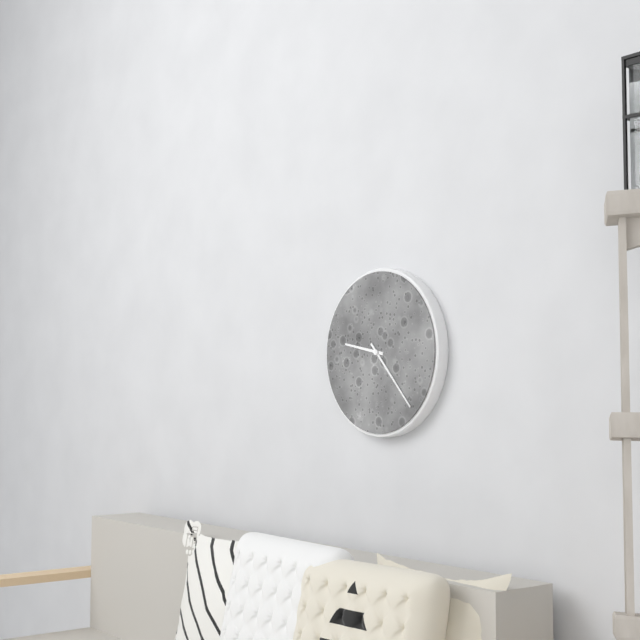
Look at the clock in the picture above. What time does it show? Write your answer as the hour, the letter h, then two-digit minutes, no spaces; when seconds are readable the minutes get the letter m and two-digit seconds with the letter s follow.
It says 9h23
